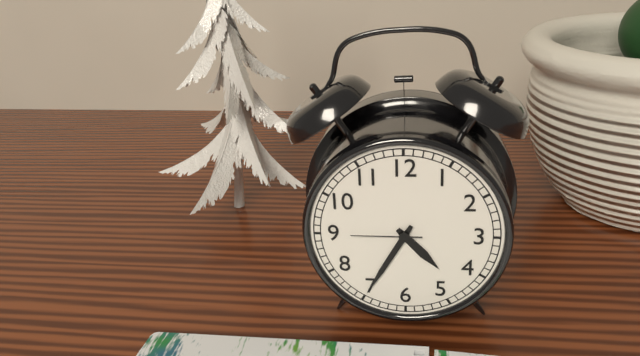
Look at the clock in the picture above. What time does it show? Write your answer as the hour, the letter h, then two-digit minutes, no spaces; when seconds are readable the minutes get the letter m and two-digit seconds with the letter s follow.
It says 4h35m45s
